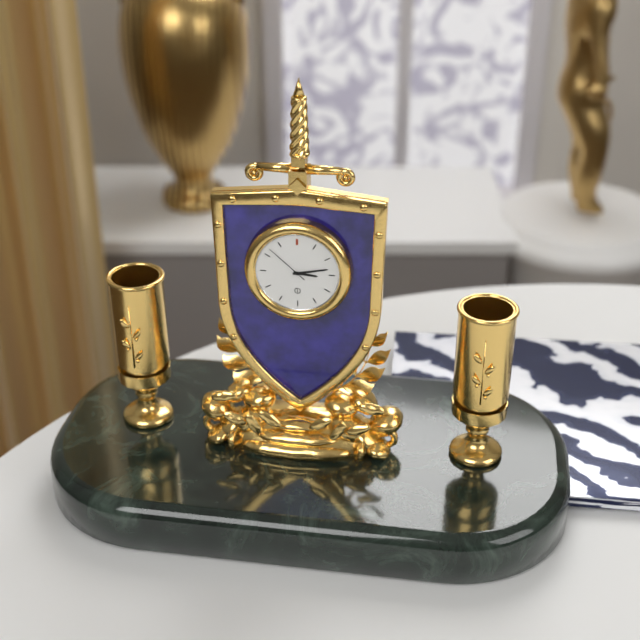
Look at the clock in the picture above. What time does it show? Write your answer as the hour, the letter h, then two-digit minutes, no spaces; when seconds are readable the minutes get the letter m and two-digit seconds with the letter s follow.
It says 3h13
